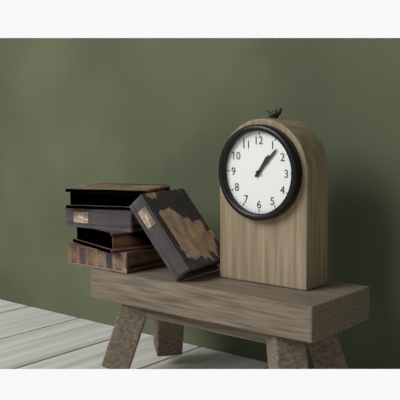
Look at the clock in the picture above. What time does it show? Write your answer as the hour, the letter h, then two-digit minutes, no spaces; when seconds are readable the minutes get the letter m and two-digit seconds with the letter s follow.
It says 1h07
